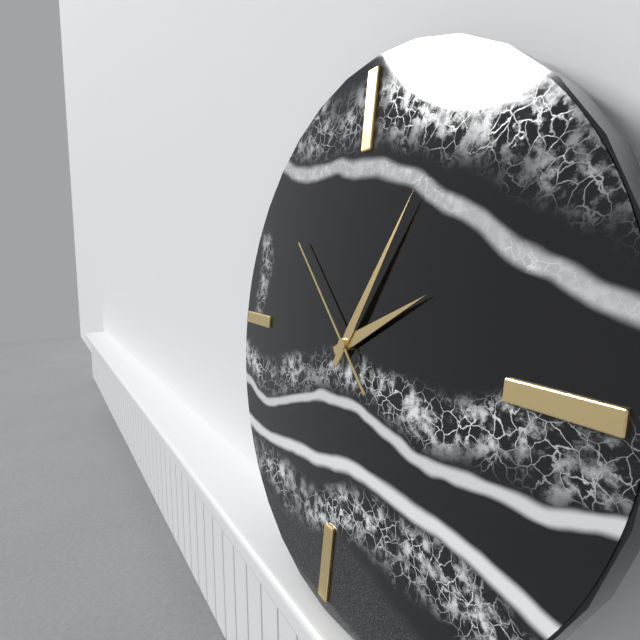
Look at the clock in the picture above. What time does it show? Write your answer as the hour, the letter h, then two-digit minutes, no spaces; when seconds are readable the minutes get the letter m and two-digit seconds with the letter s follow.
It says 2h05m52s
